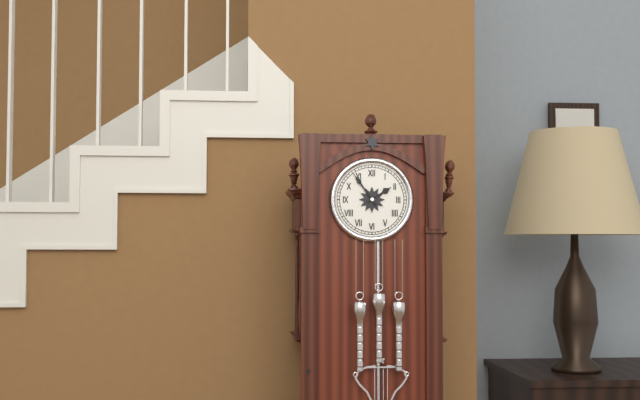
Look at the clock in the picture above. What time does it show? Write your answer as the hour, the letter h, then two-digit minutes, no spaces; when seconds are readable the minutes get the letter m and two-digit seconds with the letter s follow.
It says 1h54
